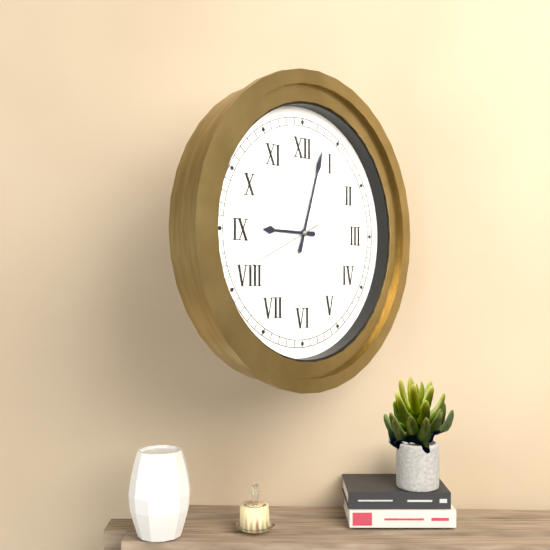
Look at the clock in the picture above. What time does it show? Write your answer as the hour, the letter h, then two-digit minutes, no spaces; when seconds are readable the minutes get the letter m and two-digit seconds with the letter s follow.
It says 9h03m41s
